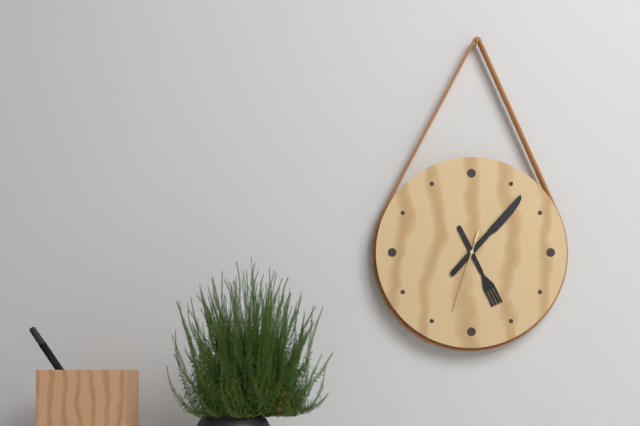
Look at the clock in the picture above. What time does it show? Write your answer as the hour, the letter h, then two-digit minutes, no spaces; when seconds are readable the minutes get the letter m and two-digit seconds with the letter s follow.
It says 5h07m33s
